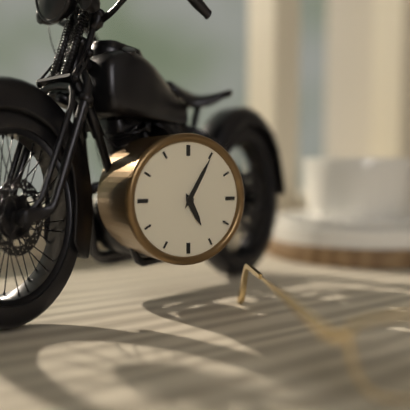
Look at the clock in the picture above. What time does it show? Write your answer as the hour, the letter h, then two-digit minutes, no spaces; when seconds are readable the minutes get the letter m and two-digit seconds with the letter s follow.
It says 5h05
